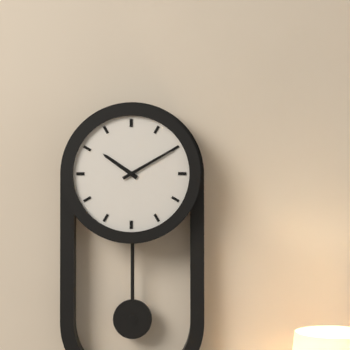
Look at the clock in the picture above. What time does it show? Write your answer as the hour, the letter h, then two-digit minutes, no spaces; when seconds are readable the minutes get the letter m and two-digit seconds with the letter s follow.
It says 10h10
